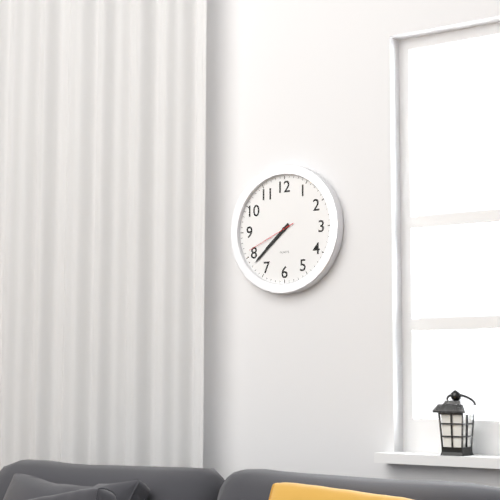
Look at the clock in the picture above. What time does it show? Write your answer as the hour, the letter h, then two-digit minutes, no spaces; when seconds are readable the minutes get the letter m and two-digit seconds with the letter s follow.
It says 7h38m41s
